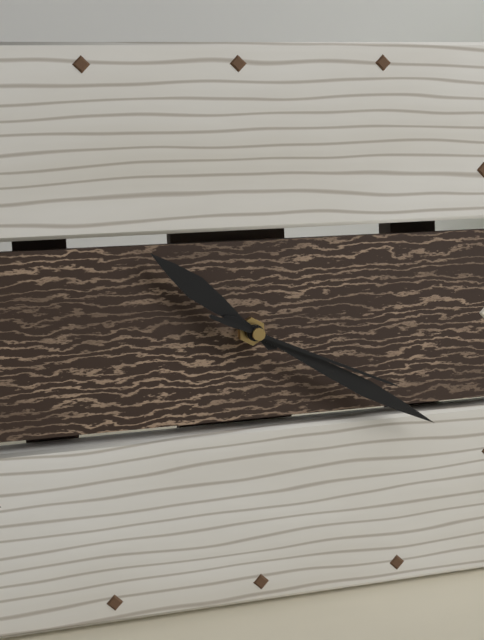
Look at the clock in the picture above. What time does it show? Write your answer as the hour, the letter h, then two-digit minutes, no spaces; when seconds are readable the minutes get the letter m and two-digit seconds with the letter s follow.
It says 10h20m19s
